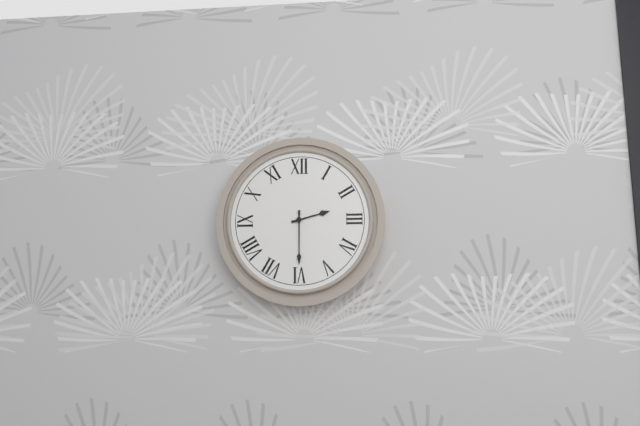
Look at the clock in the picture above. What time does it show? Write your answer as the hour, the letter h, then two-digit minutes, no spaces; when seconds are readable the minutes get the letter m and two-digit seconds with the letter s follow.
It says 2h30
